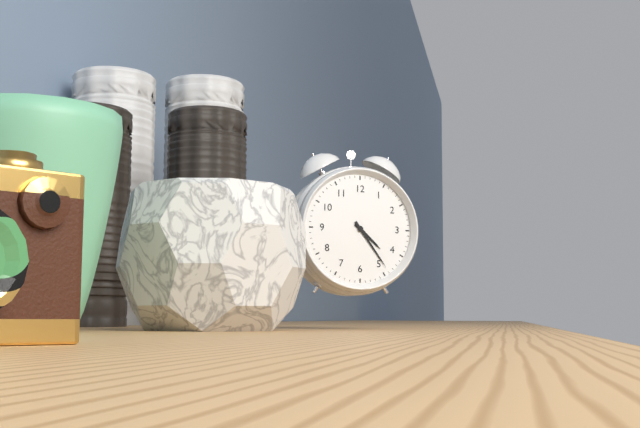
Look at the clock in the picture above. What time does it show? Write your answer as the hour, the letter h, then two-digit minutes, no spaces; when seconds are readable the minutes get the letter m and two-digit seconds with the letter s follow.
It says 4h24
